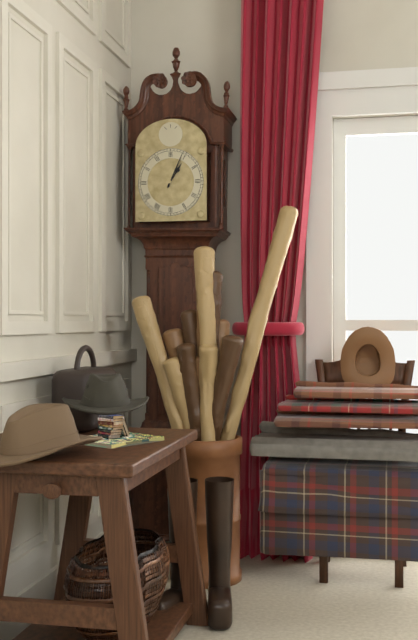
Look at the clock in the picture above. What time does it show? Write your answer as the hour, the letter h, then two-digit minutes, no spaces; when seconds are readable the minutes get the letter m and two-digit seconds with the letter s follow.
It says 1h04
